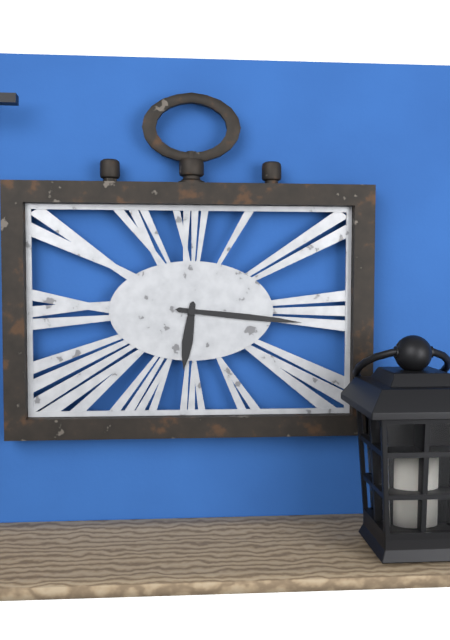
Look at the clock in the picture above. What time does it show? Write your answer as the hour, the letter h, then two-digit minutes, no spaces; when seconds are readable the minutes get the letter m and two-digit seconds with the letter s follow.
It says 6h16
